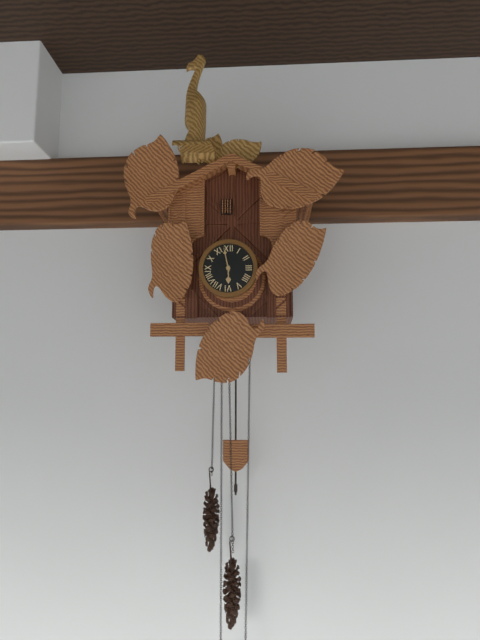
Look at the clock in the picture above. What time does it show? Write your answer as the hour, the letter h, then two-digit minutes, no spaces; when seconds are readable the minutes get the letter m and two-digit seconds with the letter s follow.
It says 5h58
